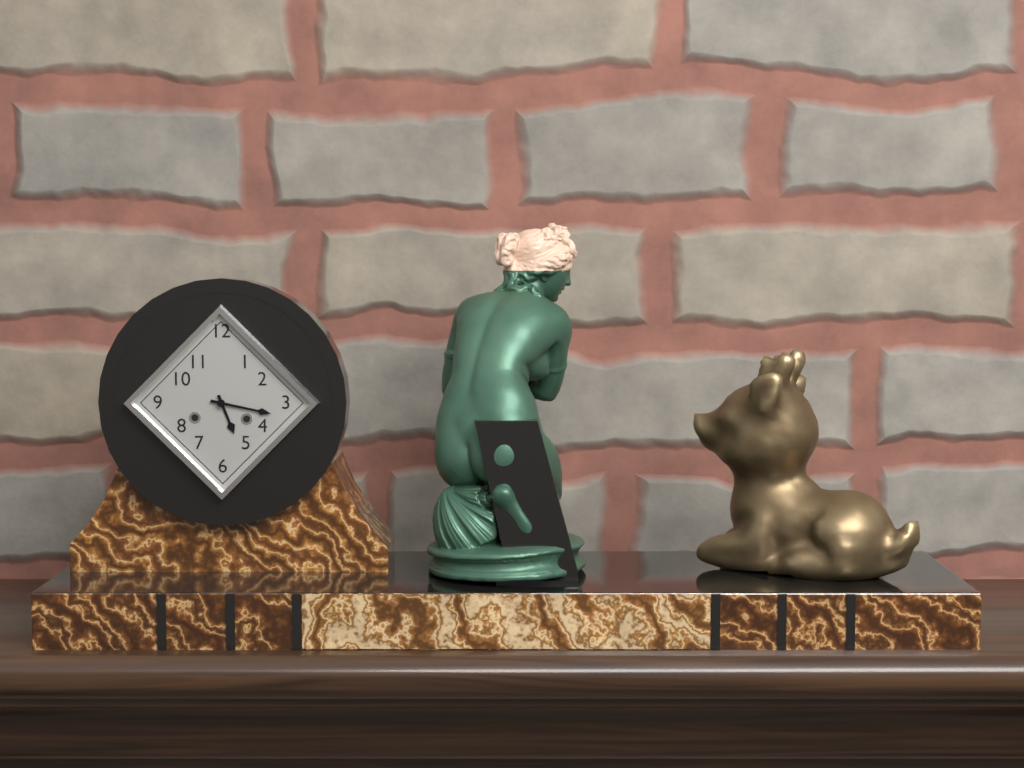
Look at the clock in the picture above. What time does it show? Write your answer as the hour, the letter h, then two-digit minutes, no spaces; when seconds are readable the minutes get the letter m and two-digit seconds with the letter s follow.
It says 5h17
